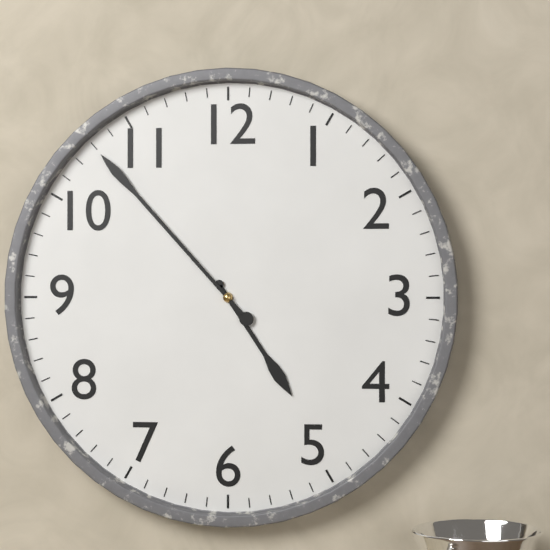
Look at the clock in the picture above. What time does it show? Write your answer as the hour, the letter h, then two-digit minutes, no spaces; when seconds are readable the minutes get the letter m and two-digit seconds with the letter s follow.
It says 4h53
